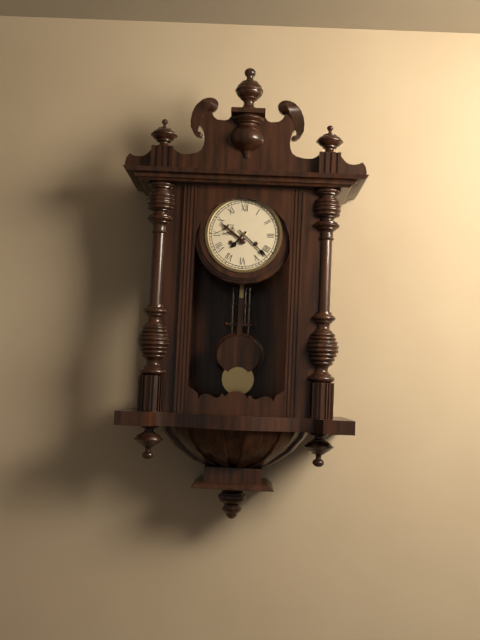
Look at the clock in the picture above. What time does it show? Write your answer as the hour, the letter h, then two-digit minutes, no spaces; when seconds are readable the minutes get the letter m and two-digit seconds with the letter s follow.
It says 7h22
